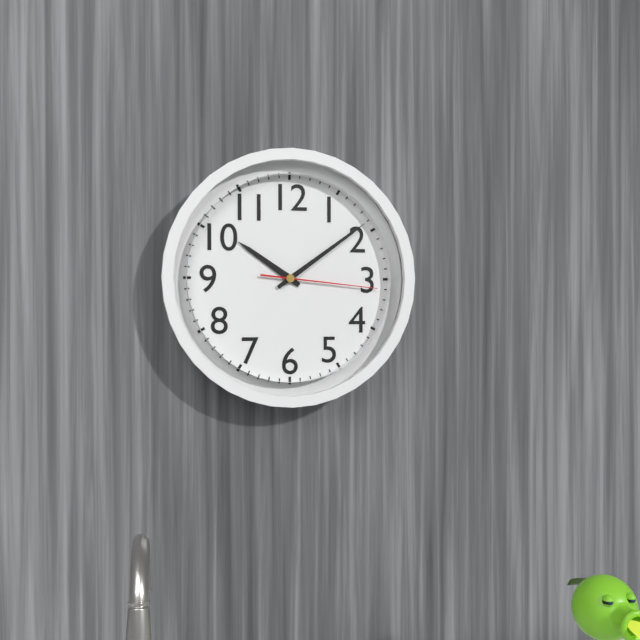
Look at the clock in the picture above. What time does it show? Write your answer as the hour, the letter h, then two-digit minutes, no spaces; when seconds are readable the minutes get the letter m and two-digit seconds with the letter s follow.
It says 10h09m16s
